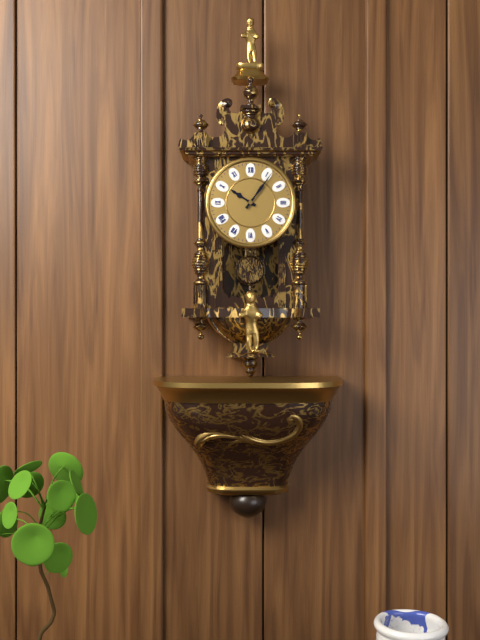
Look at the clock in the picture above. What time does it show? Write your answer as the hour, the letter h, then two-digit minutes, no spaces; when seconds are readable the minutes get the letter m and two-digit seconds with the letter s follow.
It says 10h06
